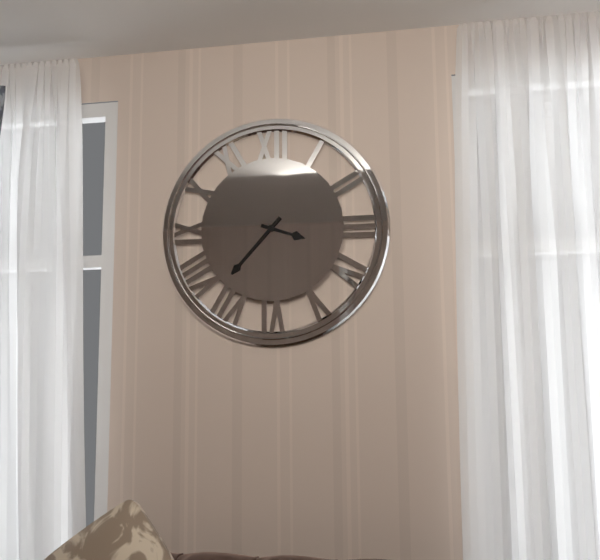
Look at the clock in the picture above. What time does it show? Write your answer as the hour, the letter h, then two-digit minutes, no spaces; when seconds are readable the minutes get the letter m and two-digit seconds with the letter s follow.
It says 3h37
